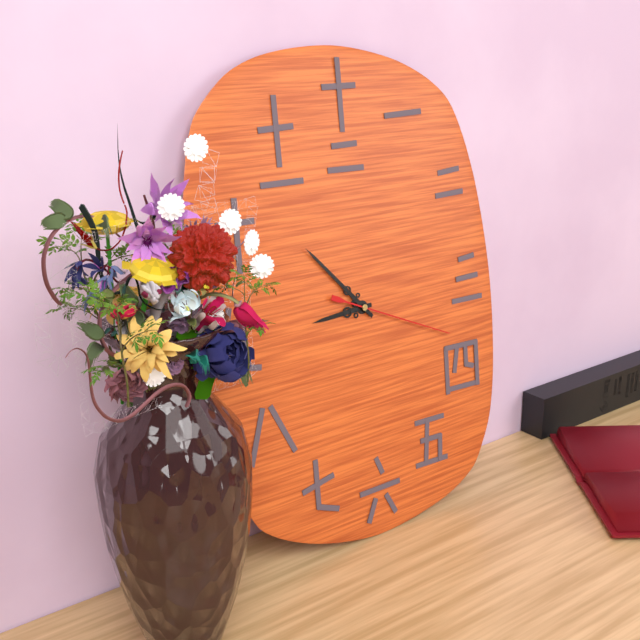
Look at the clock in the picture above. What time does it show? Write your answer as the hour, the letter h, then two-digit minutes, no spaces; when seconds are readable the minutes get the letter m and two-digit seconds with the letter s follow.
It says 8h53m19s
